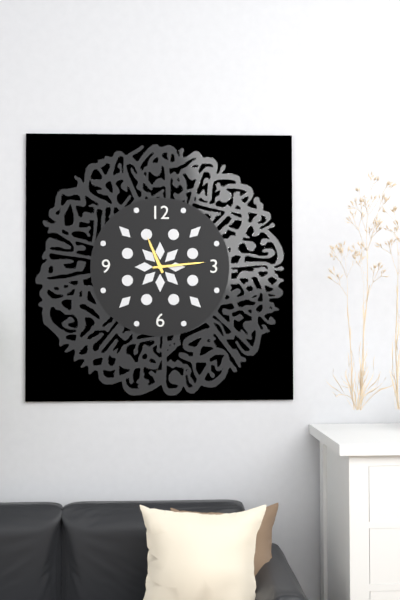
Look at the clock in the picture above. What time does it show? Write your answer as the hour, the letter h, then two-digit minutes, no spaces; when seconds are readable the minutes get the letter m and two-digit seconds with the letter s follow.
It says 11h14
